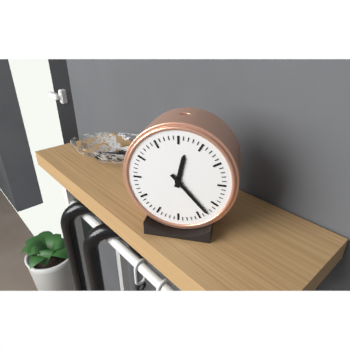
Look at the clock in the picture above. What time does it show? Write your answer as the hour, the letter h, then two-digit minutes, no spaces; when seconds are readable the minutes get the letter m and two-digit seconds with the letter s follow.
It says 12h23
